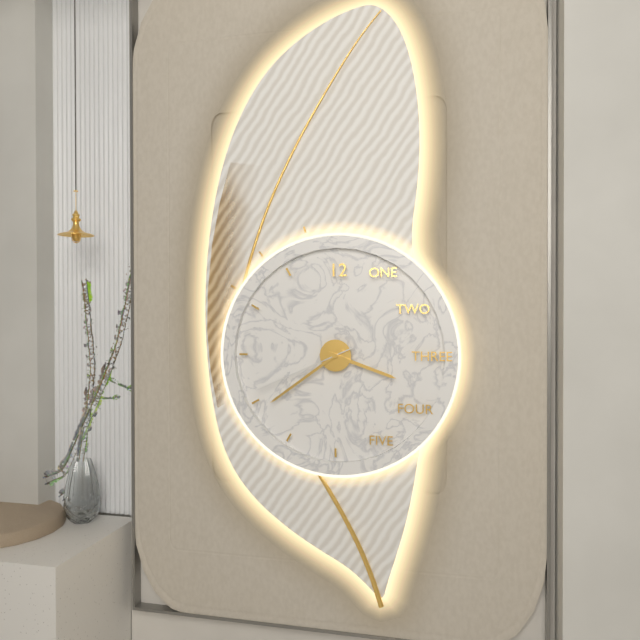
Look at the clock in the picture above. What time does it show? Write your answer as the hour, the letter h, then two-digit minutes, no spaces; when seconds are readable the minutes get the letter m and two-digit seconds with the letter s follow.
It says 3h39m41s
